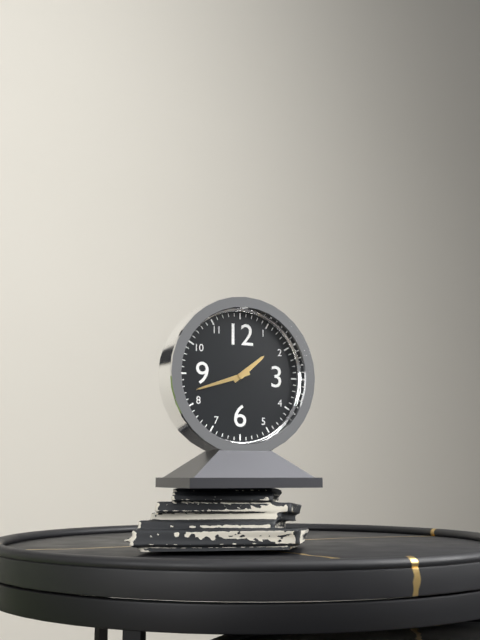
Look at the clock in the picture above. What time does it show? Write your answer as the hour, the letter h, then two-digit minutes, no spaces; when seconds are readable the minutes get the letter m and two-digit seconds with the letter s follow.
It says 1h42
